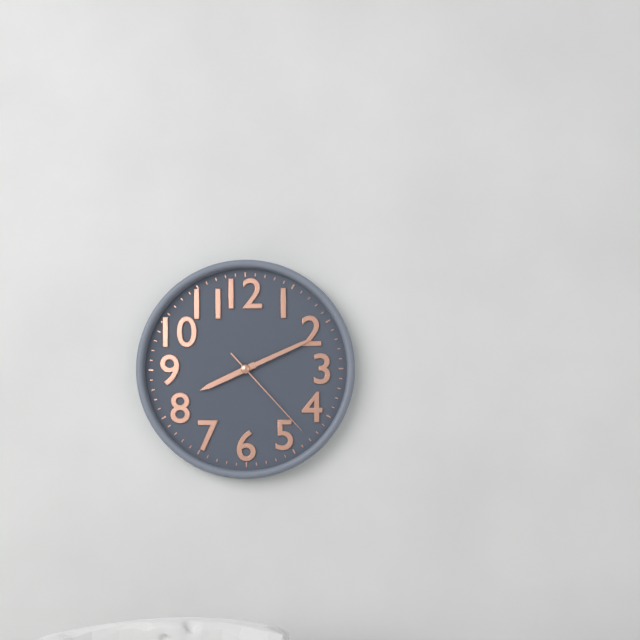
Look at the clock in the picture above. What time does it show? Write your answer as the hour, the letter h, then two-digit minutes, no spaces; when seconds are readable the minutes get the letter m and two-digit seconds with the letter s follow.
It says 8h11m23s
